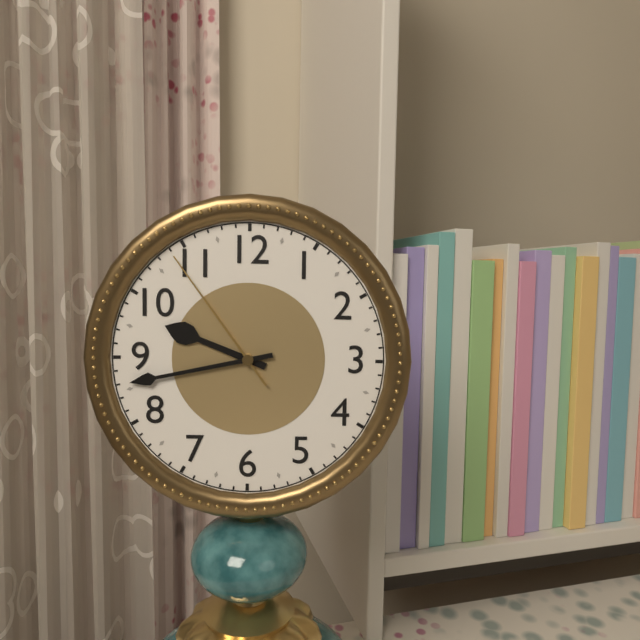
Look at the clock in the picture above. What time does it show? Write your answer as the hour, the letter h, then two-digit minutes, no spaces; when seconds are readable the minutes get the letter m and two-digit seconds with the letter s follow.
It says 9h43m54s
